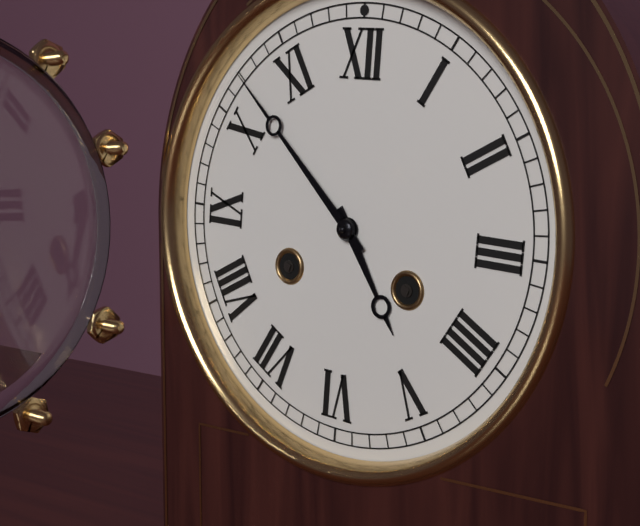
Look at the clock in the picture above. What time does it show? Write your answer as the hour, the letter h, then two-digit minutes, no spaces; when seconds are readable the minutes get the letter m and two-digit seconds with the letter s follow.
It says 4h52
